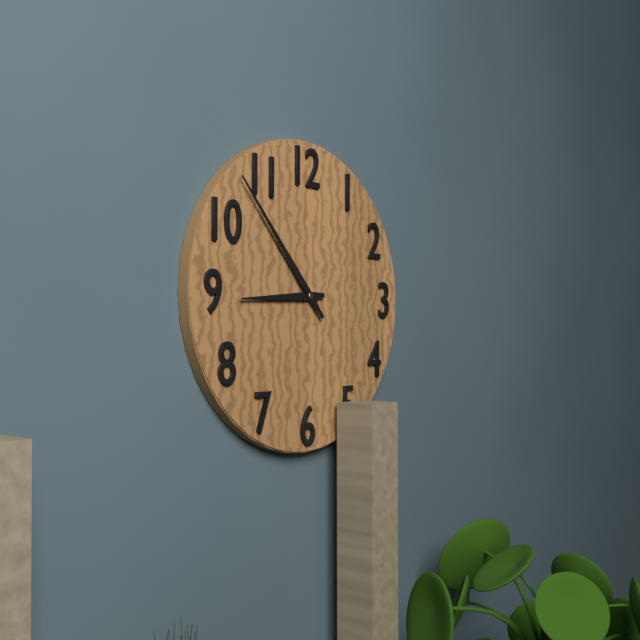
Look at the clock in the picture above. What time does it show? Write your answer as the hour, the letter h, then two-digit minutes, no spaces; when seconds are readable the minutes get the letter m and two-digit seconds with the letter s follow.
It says 8h53
